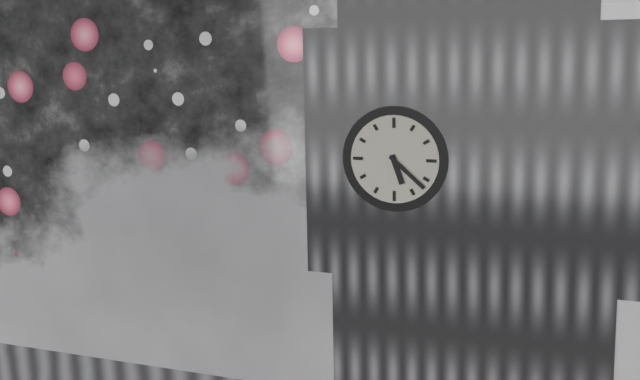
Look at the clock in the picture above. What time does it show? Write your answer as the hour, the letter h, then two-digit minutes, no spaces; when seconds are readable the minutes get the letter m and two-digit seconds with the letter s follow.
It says 5h22
